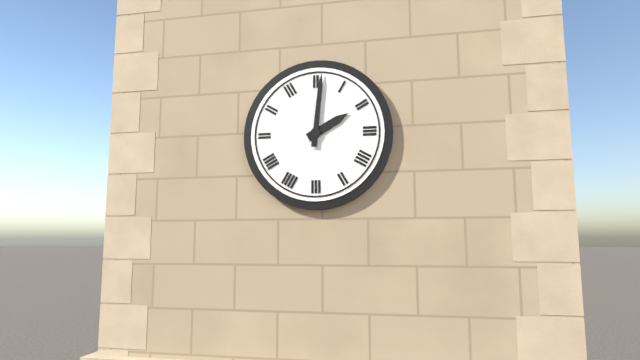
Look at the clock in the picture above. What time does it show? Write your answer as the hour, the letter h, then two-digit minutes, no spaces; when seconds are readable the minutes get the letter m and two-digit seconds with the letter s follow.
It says 2h01
